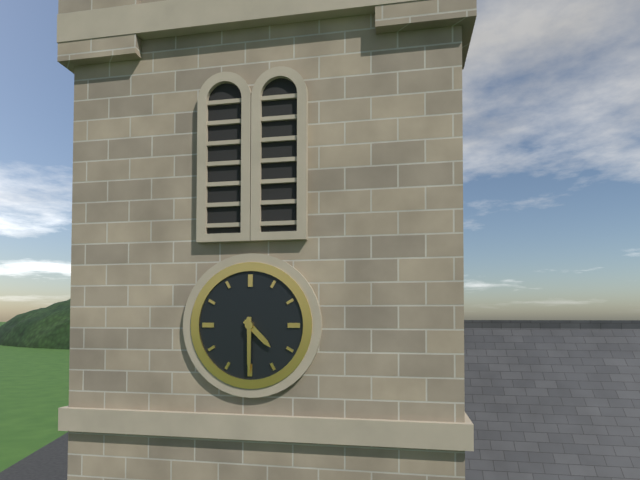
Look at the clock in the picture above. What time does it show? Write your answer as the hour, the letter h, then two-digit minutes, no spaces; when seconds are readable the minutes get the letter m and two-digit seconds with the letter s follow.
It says 4h30
